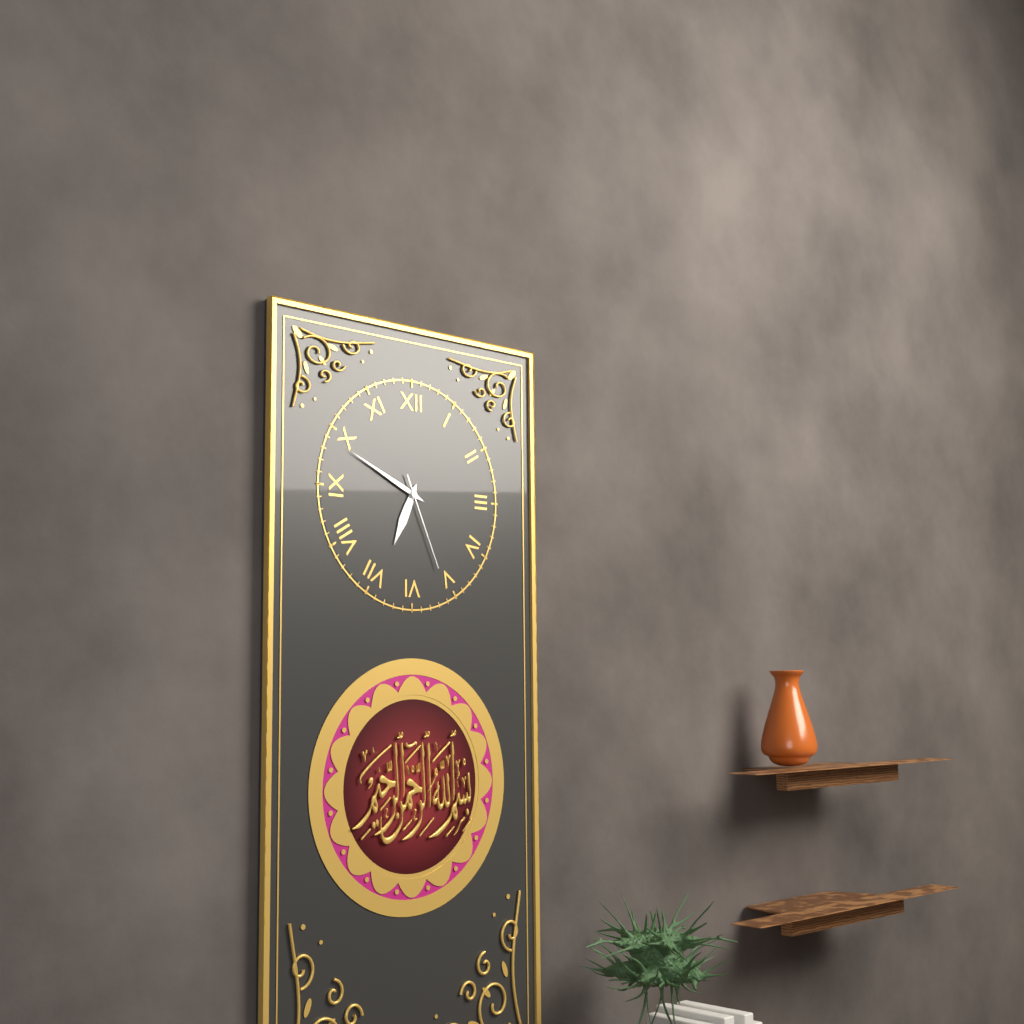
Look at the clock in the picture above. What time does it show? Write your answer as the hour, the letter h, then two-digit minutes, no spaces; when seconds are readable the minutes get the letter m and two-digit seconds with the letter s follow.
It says 6h49m26s
